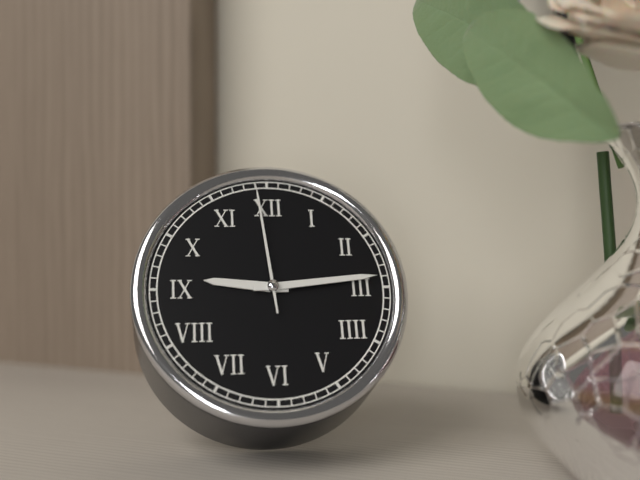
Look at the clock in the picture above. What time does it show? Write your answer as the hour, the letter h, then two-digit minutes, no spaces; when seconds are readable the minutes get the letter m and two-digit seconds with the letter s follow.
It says 9h14m59s
